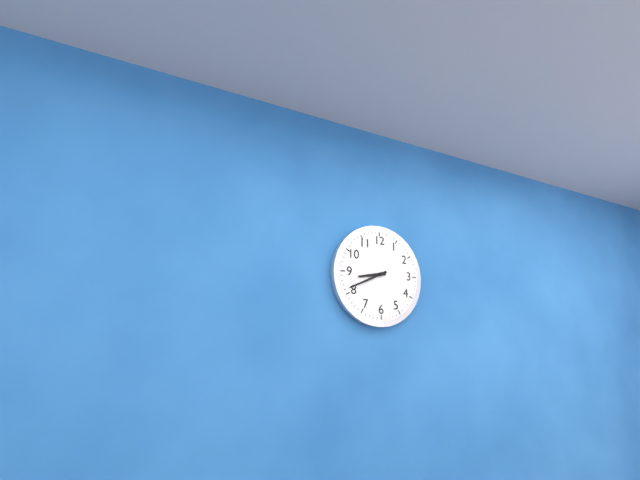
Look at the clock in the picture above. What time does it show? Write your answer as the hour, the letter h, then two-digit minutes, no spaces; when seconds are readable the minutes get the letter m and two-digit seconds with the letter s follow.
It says 8h41
